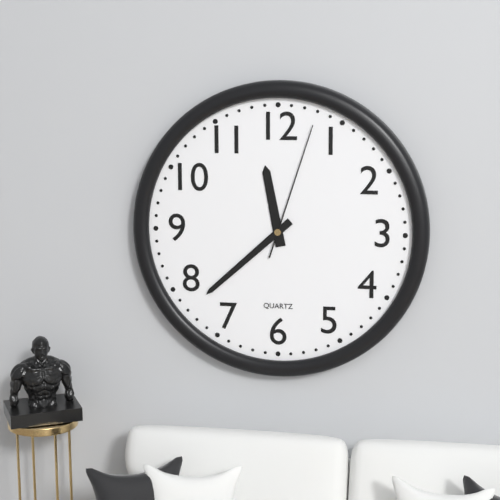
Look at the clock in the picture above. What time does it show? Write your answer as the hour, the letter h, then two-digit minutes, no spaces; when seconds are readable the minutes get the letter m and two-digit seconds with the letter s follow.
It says 11h38m03s
